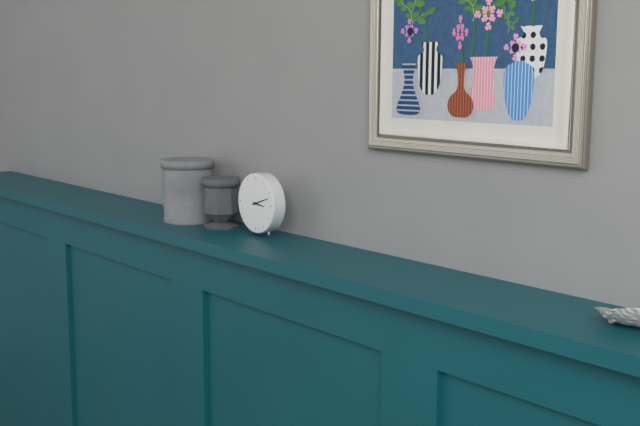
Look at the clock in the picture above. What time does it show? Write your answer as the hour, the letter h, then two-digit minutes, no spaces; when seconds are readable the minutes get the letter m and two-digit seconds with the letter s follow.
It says 3h12
